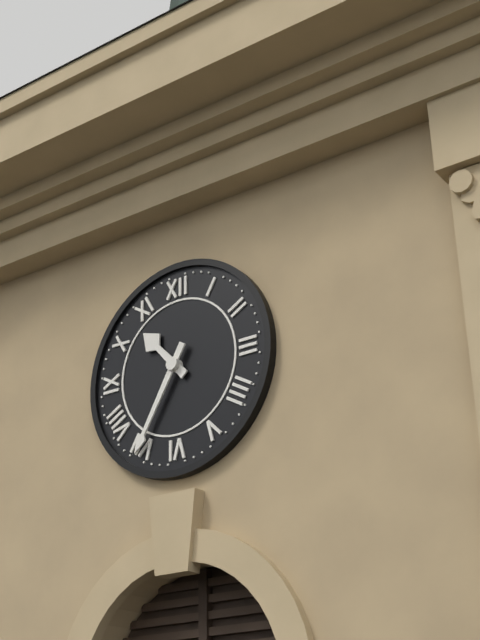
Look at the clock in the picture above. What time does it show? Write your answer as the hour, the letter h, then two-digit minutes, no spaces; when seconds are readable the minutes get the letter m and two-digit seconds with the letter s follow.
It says 10h35
